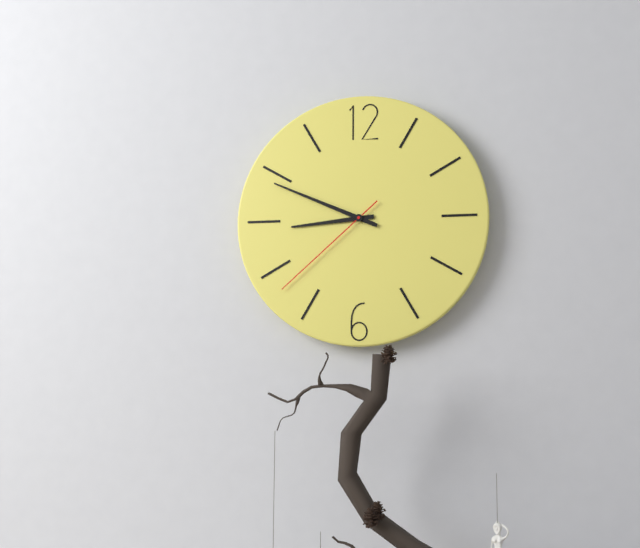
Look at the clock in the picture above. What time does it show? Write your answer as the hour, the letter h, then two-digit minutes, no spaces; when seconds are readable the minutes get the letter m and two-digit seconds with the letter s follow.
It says 8h49m38s
